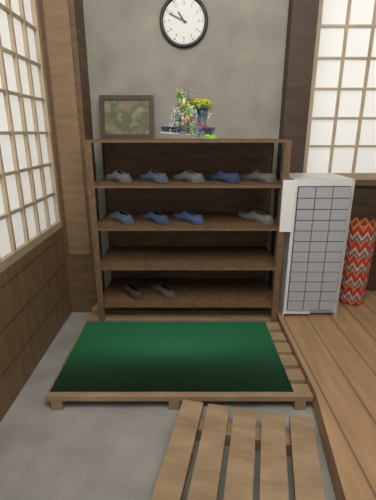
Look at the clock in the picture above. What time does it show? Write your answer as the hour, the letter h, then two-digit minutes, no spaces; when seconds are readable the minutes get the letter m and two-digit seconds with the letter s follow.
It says 10h49
